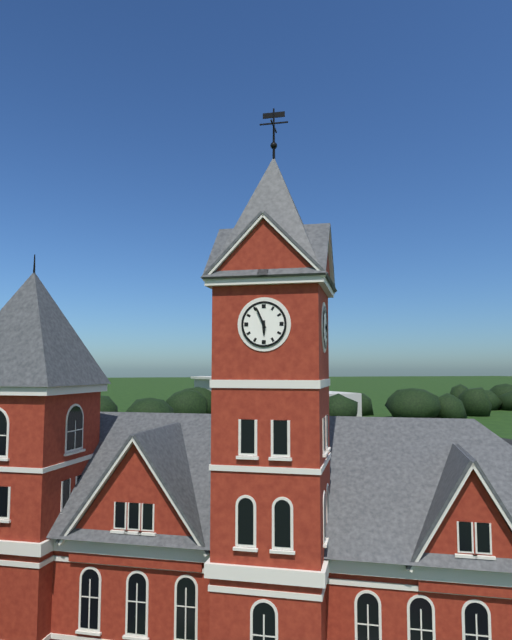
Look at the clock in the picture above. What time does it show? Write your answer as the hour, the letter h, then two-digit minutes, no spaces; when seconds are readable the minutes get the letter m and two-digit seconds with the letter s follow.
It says 5h56
